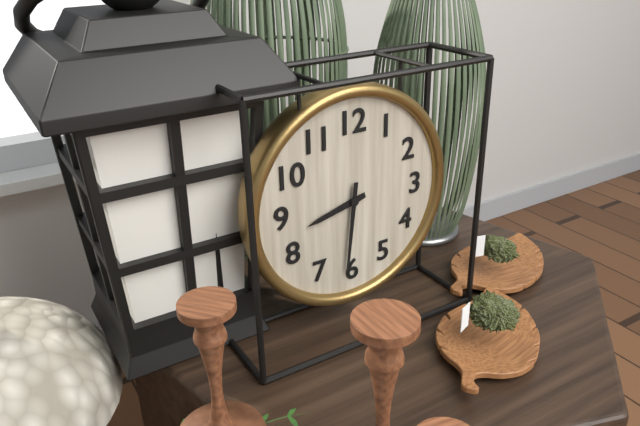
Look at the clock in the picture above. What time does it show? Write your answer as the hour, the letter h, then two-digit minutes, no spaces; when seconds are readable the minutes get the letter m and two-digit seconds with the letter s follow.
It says 8h31
